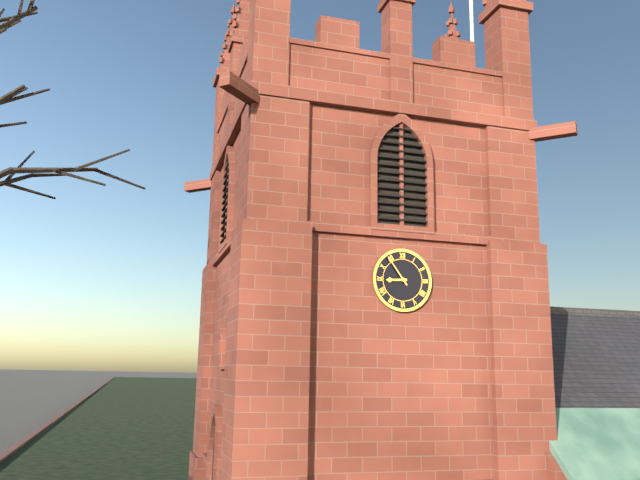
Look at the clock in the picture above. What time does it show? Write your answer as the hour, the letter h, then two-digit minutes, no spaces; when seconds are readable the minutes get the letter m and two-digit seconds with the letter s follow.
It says 8h54
